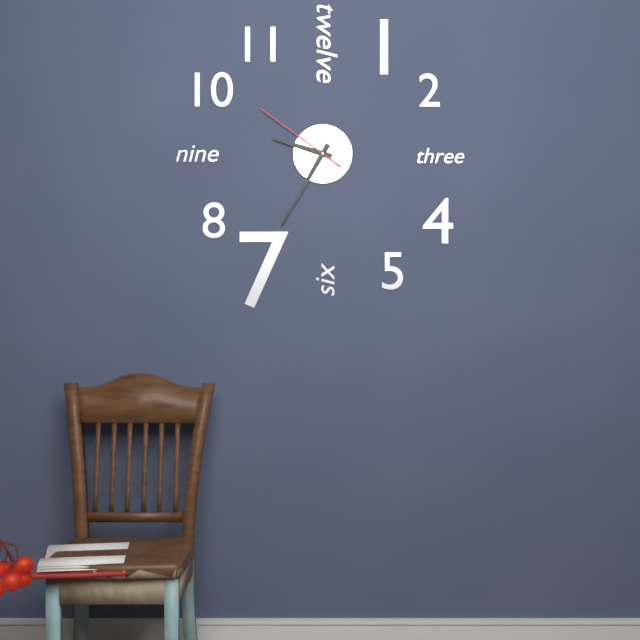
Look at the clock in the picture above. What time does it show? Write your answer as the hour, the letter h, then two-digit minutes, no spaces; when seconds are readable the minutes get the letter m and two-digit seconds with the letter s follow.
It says 9h35m51s
